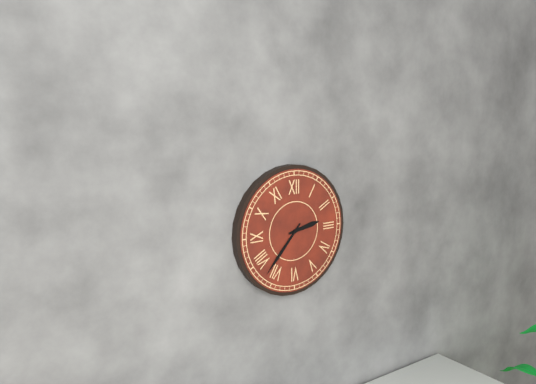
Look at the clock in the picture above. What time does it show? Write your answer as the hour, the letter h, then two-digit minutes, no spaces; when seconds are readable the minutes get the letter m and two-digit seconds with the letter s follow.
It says 2h37
